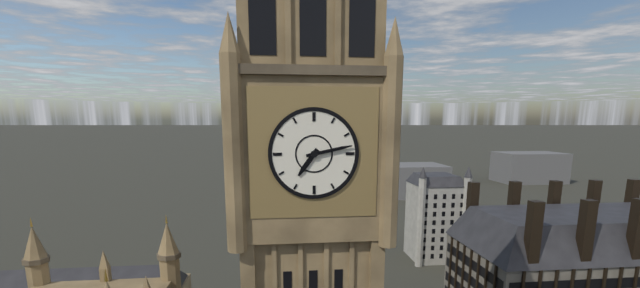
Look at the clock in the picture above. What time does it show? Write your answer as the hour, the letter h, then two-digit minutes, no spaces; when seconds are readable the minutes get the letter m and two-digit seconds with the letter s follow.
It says 7h13
